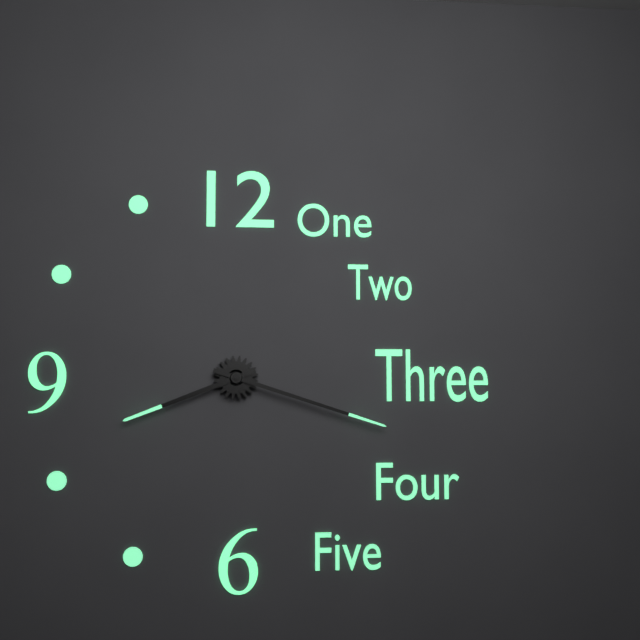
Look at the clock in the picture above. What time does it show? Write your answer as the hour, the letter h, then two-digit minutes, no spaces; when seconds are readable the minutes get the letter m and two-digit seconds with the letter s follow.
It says 8h18
